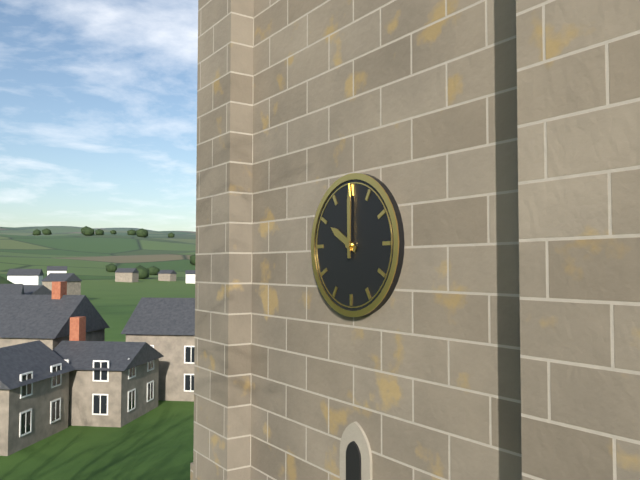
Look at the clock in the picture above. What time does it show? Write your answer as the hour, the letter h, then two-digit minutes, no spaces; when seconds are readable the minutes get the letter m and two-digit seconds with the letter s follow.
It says 10h00
